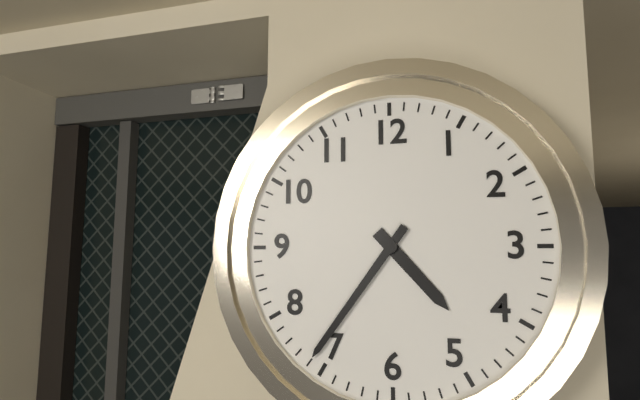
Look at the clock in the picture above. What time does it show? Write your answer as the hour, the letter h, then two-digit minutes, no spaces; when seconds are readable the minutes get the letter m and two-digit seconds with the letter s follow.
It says 4h36
